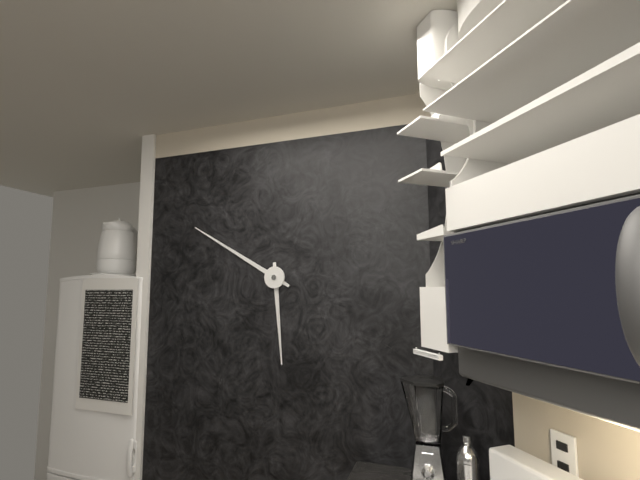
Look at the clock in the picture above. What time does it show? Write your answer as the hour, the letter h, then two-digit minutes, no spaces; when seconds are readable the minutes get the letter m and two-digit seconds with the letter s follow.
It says 5h50
